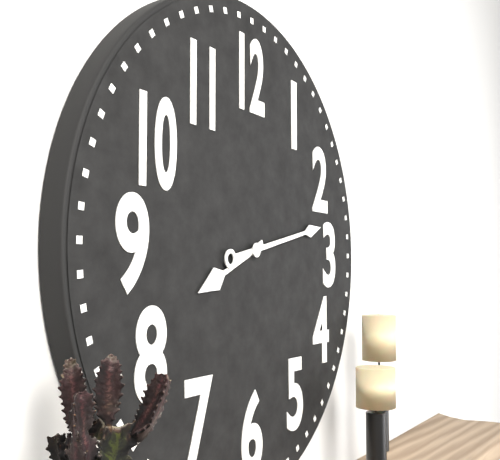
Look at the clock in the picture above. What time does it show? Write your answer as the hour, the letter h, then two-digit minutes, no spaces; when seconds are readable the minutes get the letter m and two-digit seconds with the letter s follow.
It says 8h13
